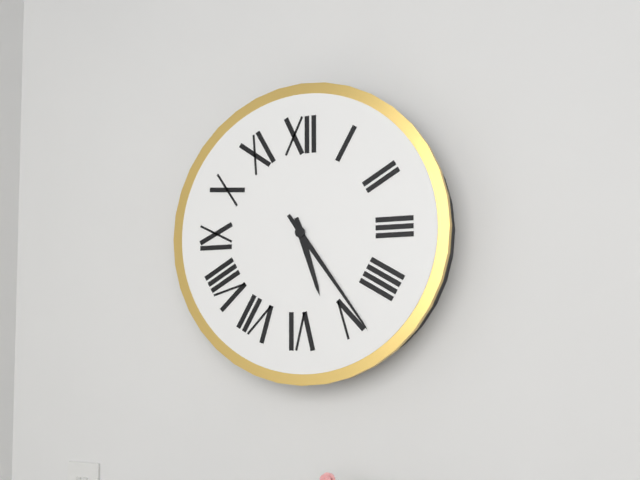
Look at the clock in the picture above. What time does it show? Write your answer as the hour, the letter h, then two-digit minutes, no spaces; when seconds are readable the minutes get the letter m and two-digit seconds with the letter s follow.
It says 5h24
